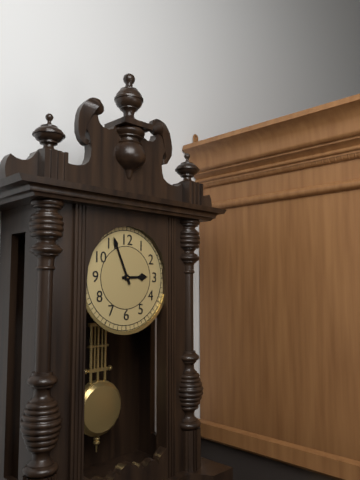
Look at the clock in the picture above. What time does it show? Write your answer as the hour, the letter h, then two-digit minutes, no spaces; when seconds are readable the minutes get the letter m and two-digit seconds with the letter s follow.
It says 2h56
